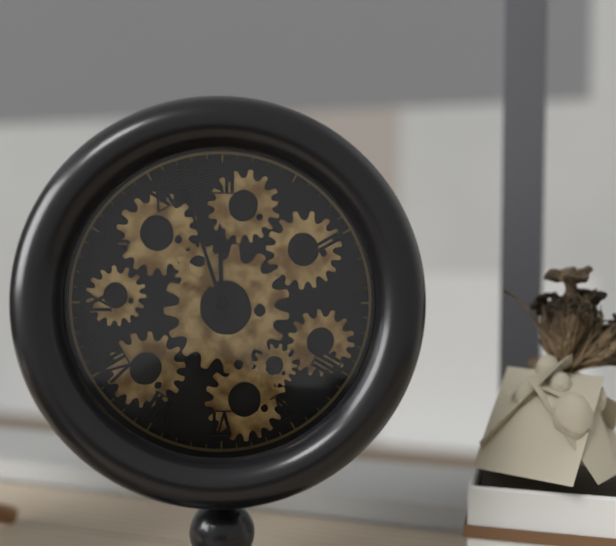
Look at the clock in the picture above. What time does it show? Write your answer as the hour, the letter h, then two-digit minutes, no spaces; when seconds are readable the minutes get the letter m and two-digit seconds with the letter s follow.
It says 11h57
